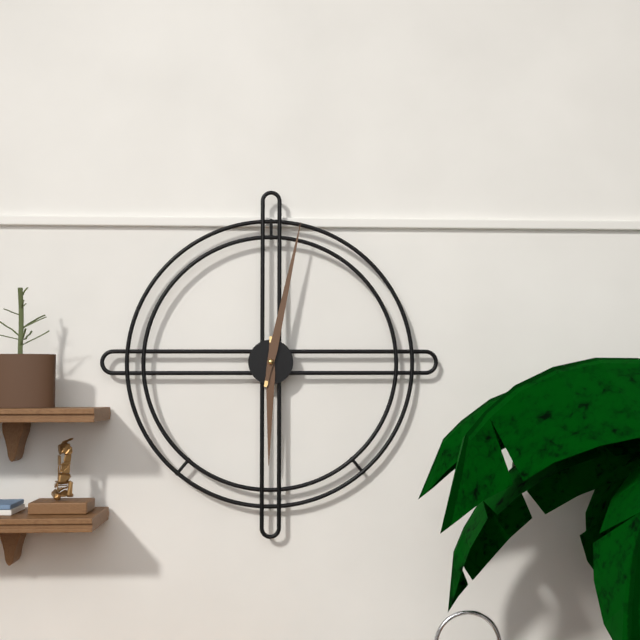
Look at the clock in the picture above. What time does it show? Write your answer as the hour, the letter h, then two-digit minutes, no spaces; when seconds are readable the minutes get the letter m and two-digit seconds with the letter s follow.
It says 6h02
